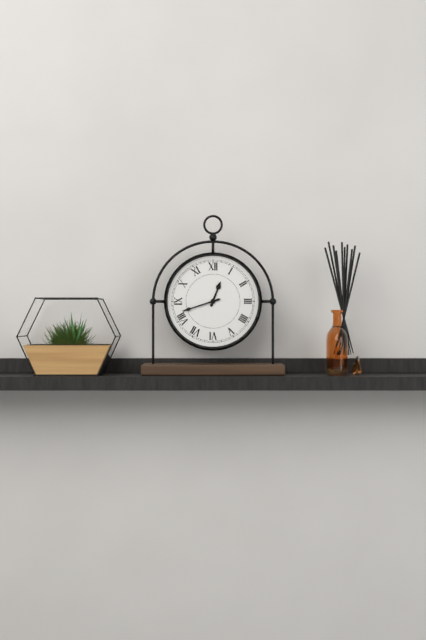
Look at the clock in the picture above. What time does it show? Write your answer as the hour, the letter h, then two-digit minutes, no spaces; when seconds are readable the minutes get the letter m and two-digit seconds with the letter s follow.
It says 12h42
